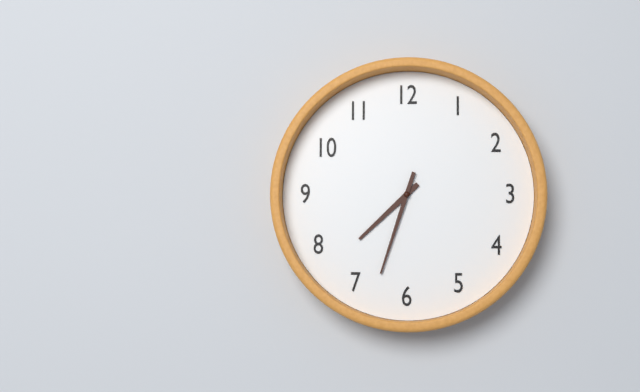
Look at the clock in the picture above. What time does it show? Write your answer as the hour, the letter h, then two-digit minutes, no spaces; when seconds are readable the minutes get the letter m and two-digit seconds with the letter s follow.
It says 7h33
